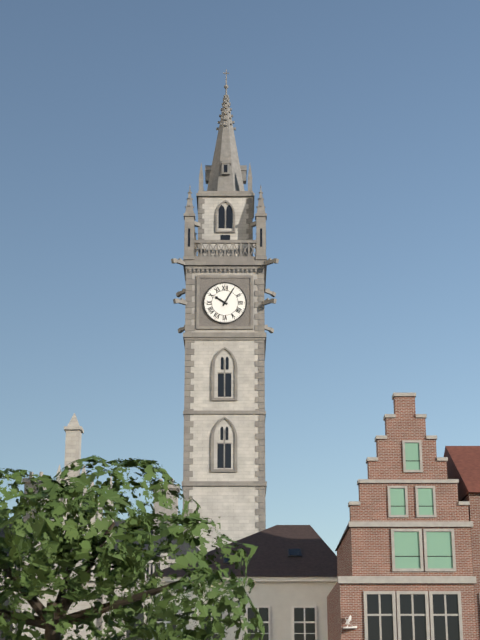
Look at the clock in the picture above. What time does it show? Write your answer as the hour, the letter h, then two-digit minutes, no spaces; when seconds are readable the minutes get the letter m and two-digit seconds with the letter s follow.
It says 10h05
